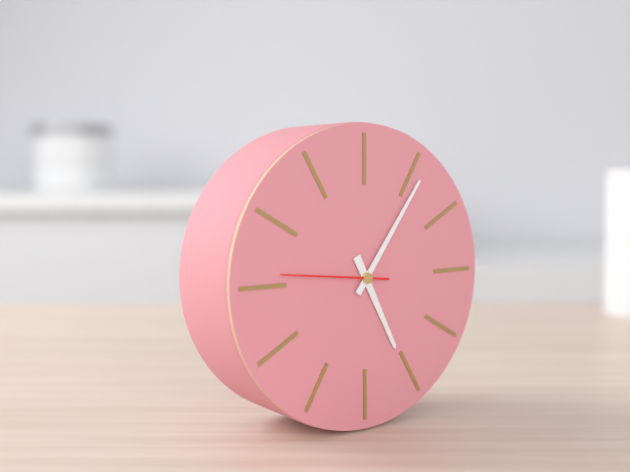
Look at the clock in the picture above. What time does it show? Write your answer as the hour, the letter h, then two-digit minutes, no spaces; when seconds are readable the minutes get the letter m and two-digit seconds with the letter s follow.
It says 5h06m46s
